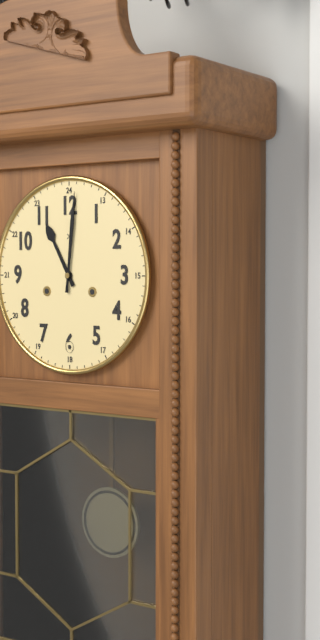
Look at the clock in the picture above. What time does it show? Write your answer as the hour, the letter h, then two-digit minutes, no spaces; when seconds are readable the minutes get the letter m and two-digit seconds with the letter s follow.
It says 11h01
